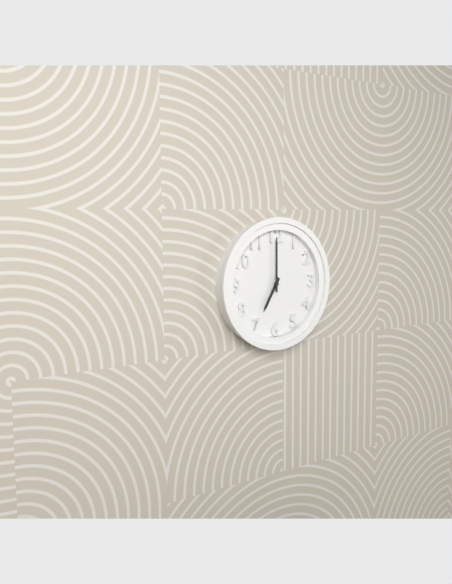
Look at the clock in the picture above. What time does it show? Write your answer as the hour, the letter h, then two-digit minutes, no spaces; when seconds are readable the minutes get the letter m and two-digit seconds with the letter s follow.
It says 7h00
